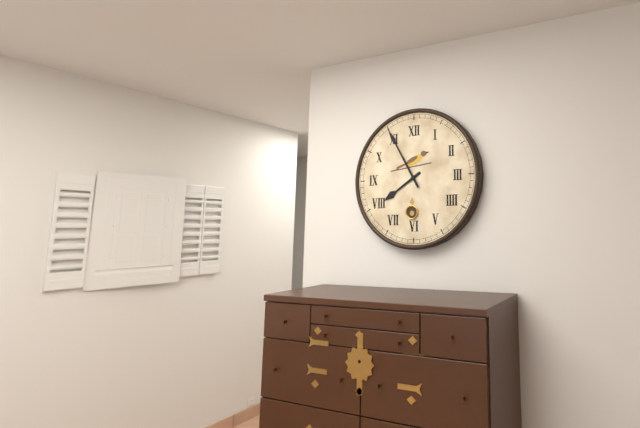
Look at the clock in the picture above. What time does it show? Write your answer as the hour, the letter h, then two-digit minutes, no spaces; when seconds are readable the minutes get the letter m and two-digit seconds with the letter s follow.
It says 7h55
